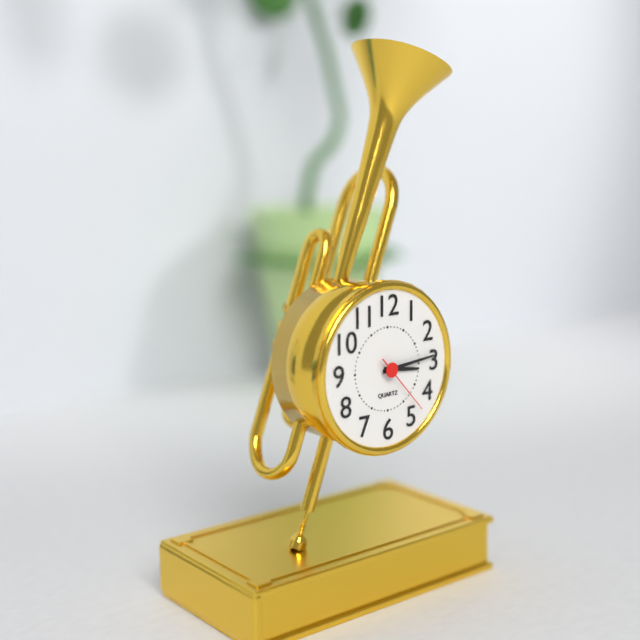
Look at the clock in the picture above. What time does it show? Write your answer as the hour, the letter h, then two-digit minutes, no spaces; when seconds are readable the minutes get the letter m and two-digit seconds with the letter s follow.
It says 3h14m23s
